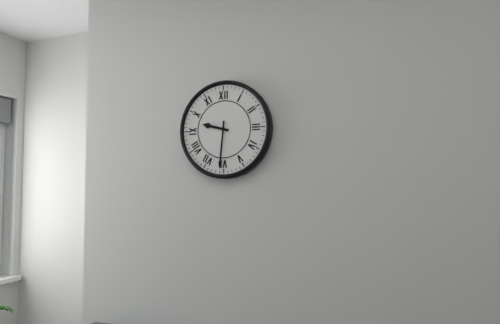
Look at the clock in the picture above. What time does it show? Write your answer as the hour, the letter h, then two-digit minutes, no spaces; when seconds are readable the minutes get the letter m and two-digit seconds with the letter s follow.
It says 9h31
